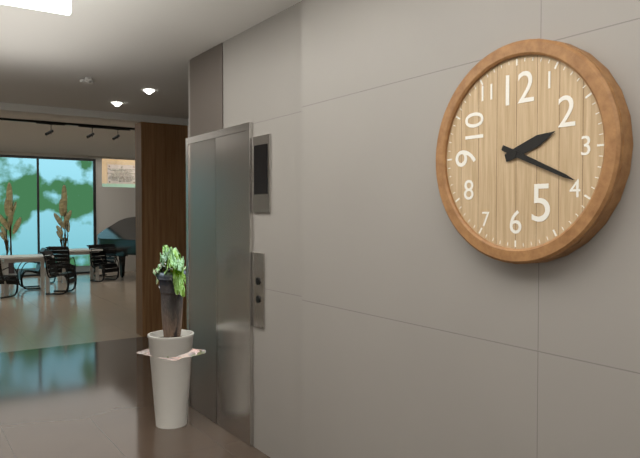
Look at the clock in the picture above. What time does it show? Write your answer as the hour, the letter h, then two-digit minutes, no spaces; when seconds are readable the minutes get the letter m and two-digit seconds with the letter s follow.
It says 2h19
